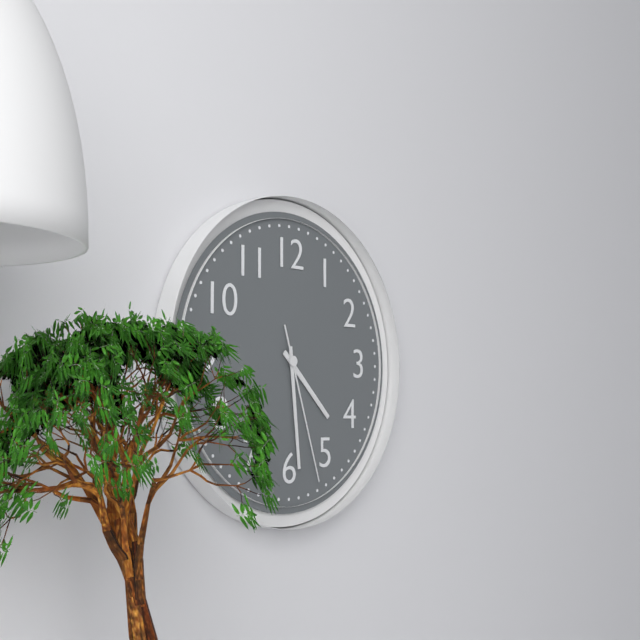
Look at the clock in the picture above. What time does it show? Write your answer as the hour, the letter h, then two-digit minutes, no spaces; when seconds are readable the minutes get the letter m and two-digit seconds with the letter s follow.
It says 4h29m27s
